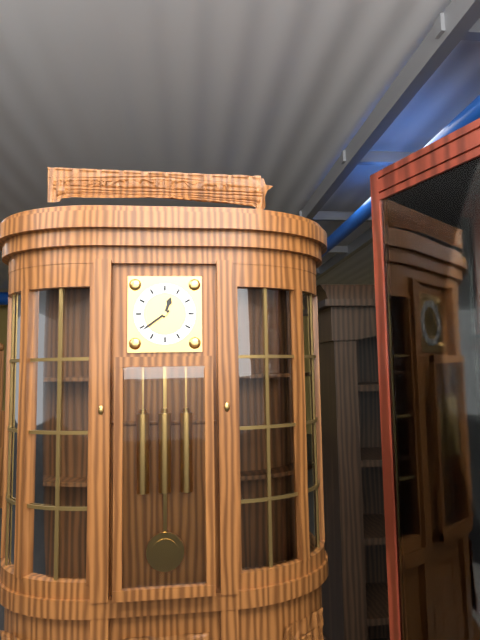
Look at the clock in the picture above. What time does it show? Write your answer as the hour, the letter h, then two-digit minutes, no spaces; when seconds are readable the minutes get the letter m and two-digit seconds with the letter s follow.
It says 12h39
